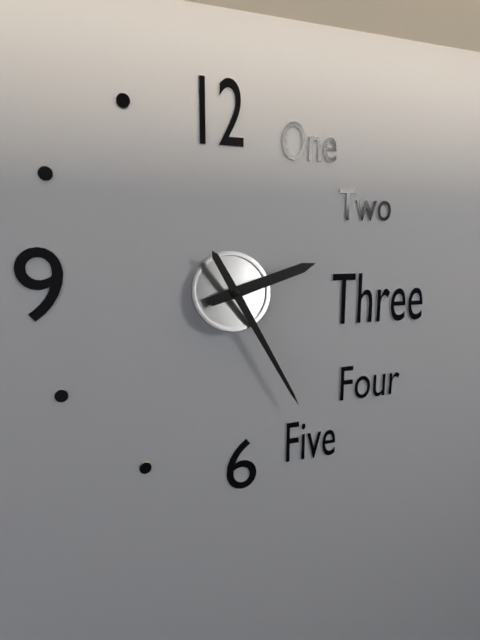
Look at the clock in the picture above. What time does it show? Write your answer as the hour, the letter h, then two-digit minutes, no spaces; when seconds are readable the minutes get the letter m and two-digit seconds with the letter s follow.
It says 2h25
